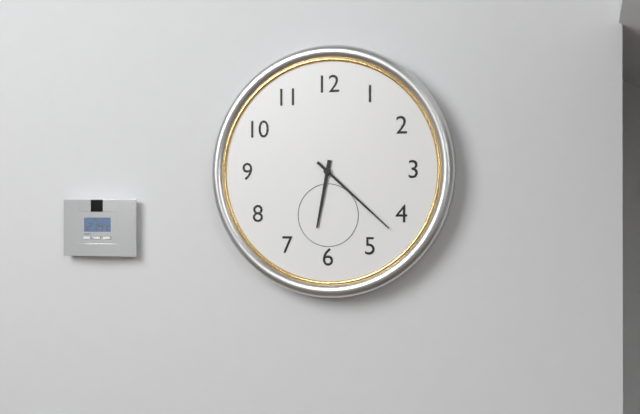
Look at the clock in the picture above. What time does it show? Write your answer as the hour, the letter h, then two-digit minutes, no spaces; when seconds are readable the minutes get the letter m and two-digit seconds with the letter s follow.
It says 6h22
